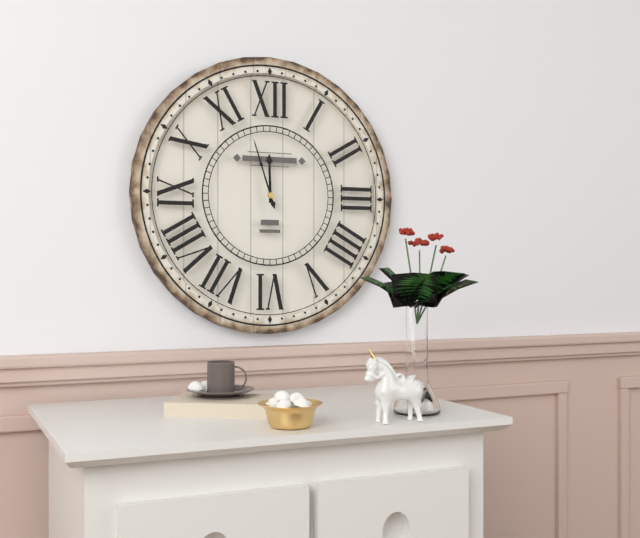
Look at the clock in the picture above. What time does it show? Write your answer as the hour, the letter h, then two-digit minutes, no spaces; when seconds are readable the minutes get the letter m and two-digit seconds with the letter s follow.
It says 11h57
